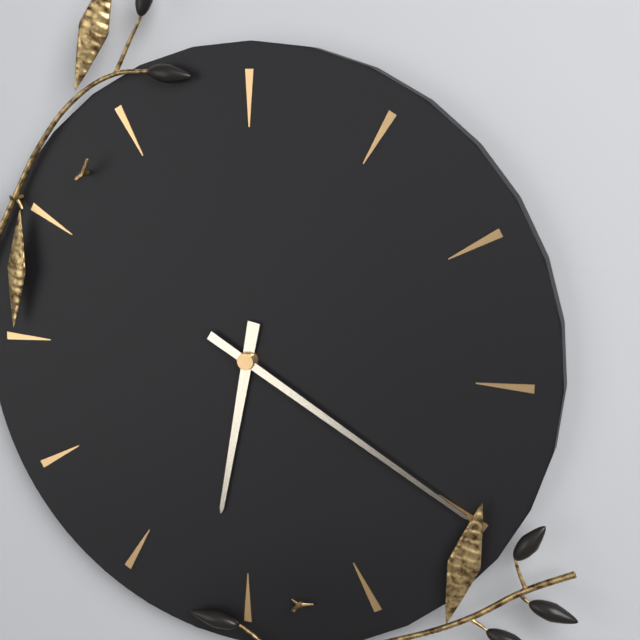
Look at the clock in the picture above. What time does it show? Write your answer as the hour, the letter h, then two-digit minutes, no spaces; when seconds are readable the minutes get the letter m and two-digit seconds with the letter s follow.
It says 6h20
